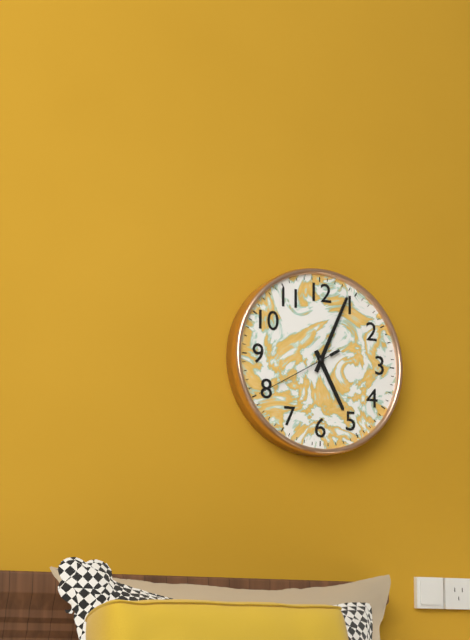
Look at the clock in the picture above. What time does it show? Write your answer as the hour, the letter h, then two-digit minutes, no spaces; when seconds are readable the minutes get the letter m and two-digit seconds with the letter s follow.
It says 5h04m40s
